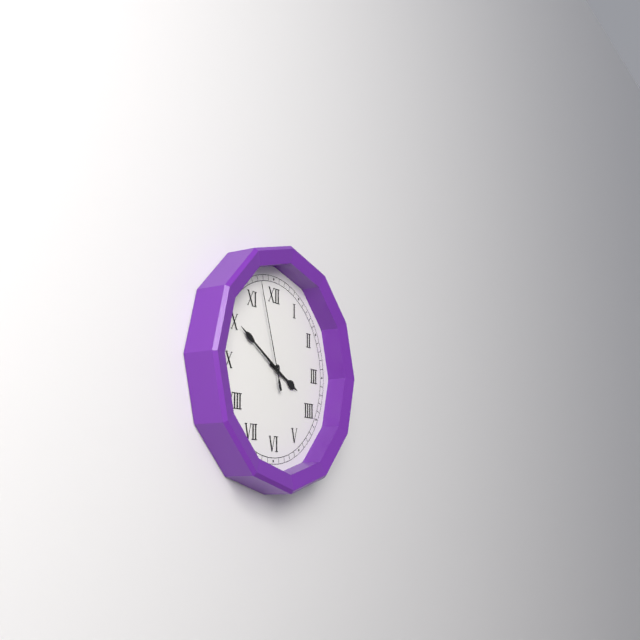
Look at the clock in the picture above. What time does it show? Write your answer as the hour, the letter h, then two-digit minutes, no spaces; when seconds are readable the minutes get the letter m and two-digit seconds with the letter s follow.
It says 3h50m57s
